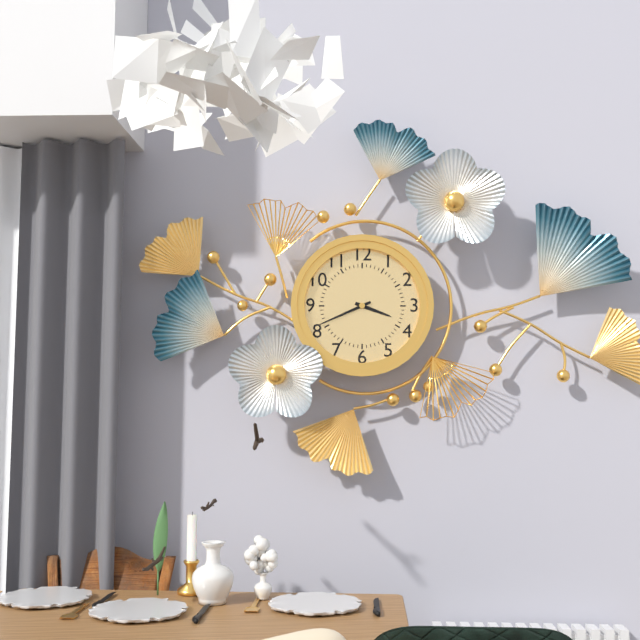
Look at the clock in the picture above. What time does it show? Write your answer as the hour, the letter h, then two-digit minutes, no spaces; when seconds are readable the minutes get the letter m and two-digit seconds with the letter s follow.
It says 3h41
